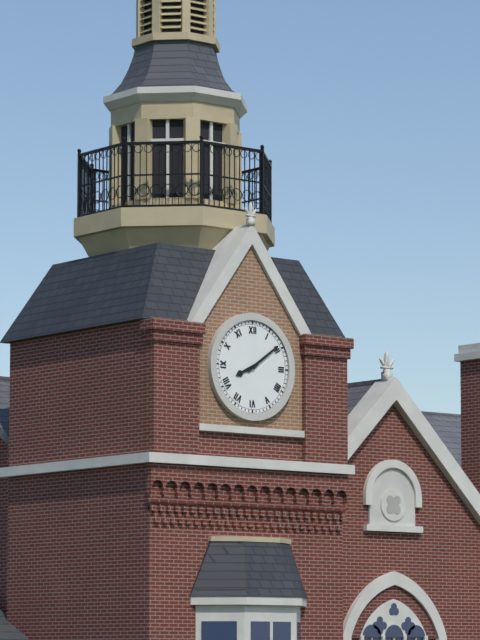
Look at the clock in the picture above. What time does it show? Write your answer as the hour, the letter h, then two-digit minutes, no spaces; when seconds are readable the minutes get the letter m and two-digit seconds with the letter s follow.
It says 8h09
